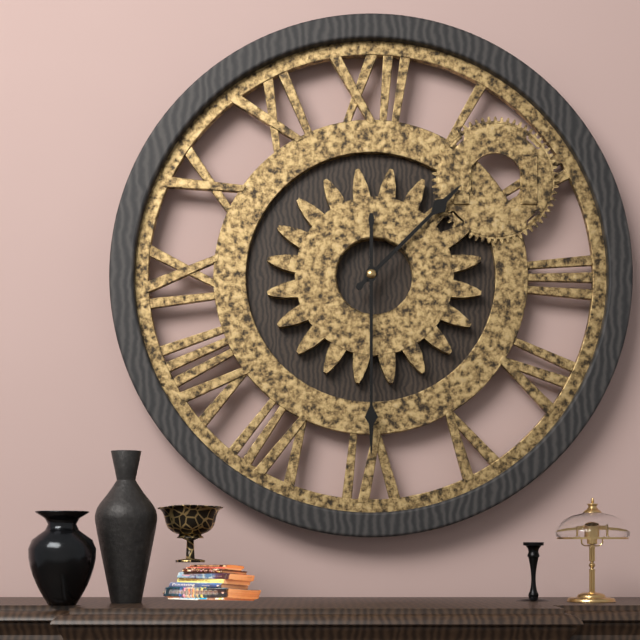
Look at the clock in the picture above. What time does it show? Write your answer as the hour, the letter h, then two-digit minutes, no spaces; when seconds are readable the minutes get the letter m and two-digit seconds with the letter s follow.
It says 1h30
